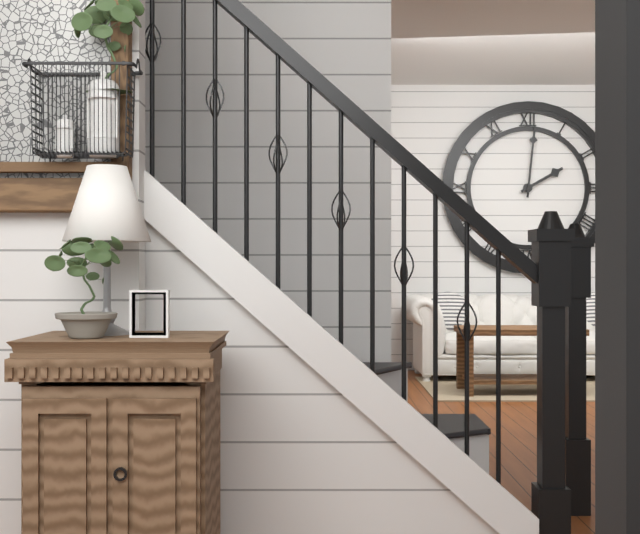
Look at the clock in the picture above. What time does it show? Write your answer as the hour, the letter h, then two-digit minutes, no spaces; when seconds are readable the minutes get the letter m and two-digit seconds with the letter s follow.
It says 2h01
